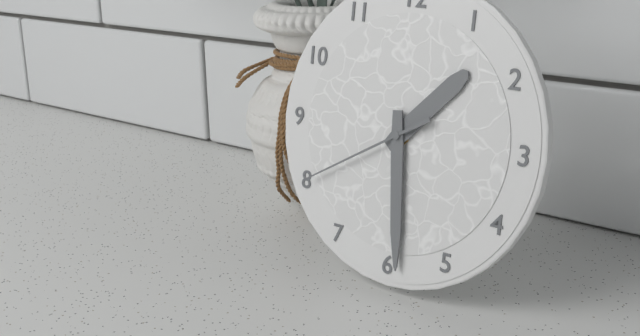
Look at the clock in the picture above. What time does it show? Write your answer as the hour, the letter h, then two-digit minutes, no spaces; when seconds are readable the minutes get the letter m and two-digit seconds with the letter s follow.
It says 1h29m40s
